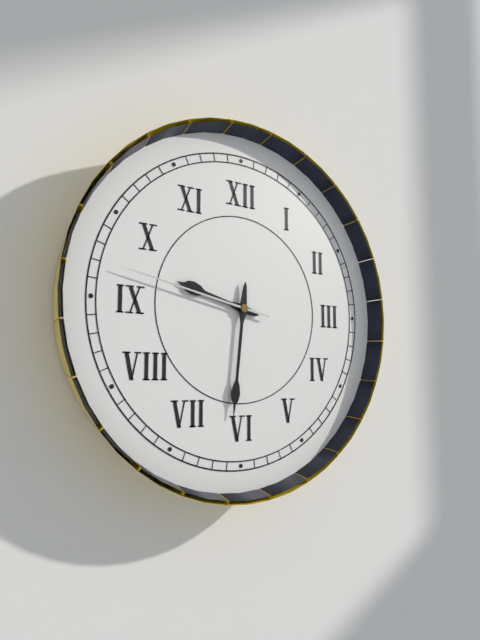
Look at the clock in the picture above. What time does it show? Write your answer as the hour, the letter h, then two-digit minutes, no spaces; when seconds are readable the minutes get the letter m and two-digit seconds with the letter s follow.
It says 9h31m47s
